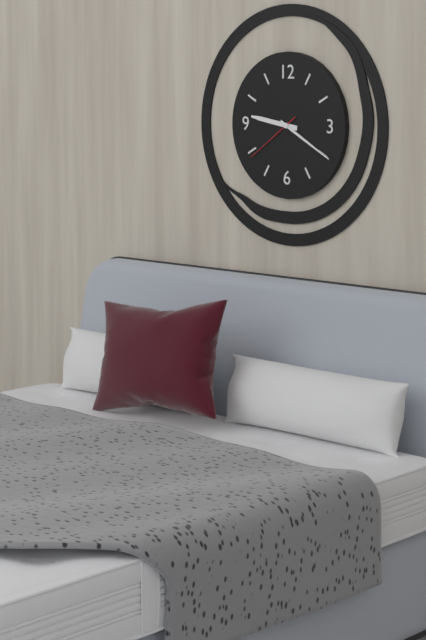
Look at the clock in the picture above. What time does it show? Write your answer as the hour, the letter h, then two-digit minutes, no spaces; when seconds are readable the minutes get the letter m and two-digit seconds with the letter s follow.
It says 9h20m39s
